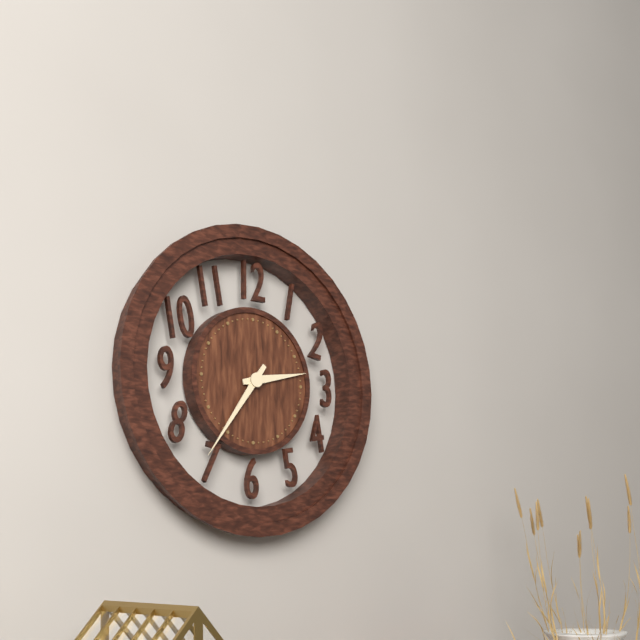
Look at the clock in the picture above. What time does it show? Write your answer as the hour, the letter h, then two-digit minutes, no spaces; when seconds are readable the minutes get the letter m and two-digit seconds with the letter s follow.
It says 2h36
